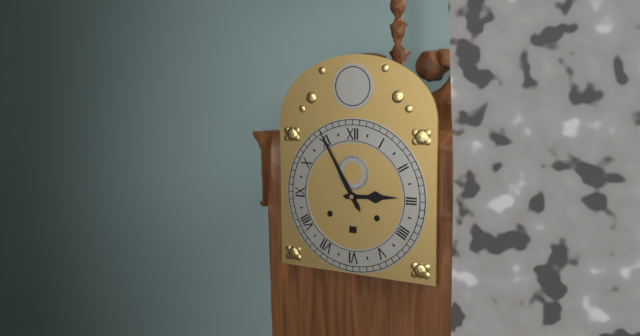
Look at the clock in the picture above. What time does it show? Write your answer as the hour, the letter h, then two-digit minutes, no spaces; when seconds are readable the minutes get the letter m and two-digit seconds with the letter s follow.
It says 2h55
